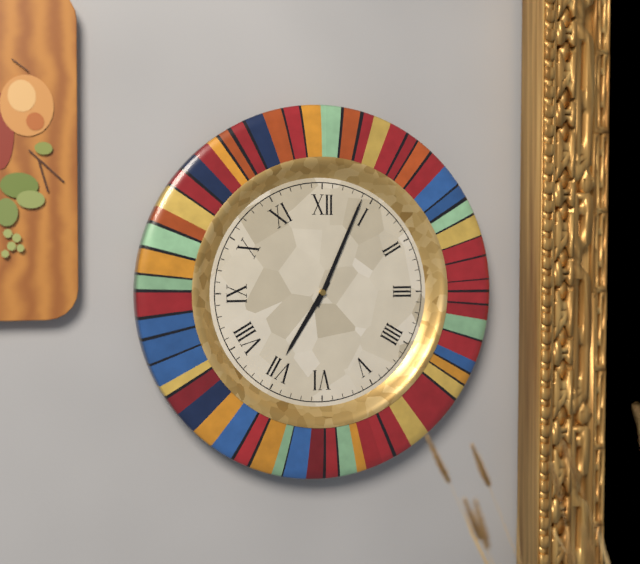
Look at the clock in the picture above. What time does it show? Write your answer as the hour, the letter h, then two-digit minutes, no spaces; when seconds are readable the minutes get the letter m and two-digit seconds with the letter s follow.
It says 7h04
